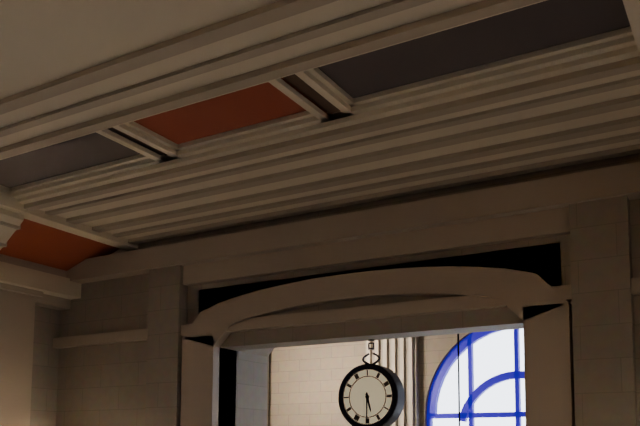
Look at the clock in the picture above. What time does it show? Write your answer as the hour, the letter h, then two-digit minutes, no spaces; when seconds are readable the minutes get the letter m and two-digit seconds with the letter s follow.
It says 5h30
